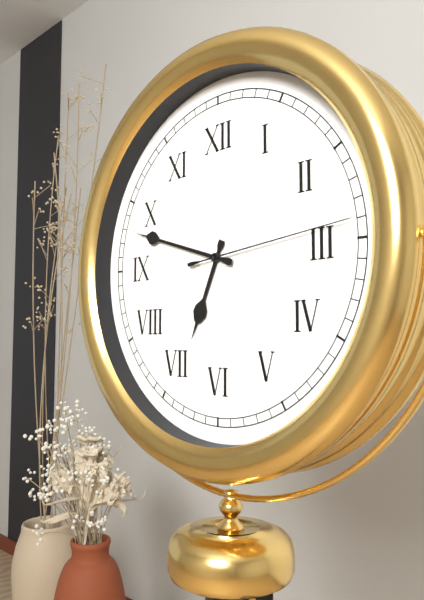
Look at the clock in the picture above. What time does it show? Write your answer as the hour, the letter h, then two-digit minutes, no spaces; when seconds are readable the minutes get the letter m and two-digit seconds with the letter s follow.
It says 6h48m14s
